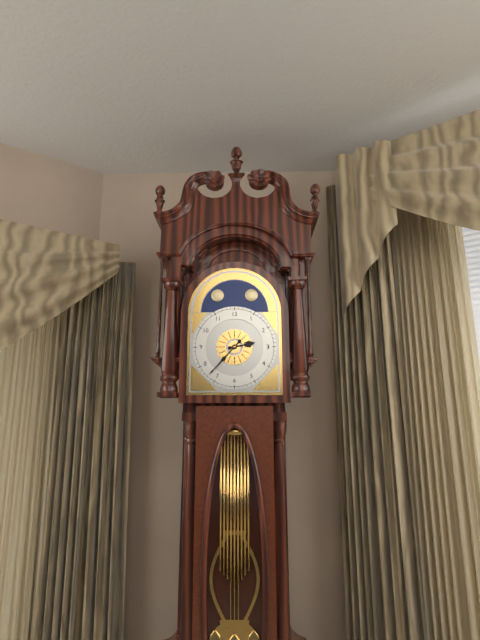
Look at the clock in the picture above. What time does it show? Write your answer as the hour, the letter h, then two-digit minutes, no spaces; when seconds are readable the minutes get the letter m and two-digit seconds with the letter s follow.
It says 2h37
